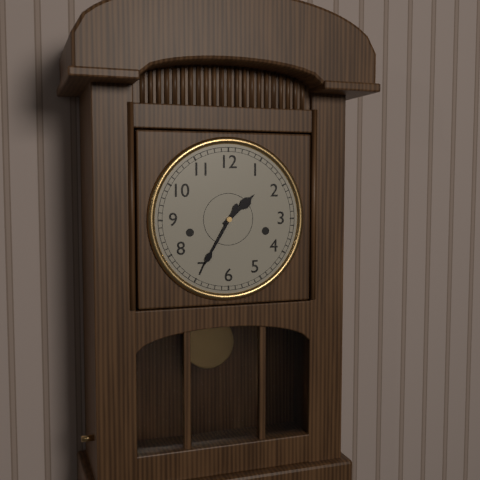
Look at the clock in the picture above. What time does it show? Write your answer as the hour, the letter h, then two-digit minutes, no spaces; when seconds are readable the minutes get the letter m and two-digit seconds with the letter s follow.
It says 1h35
